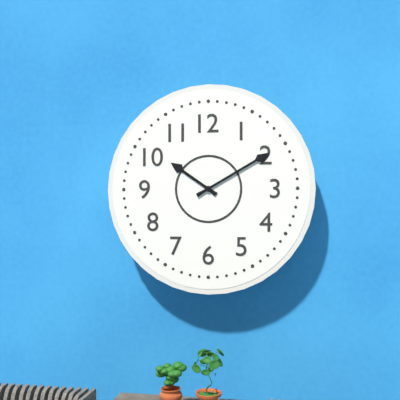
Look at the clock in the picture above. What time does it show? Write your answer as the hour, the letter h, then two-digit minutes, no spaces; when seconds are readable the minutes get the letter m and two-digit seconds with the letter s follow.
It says 10h10
